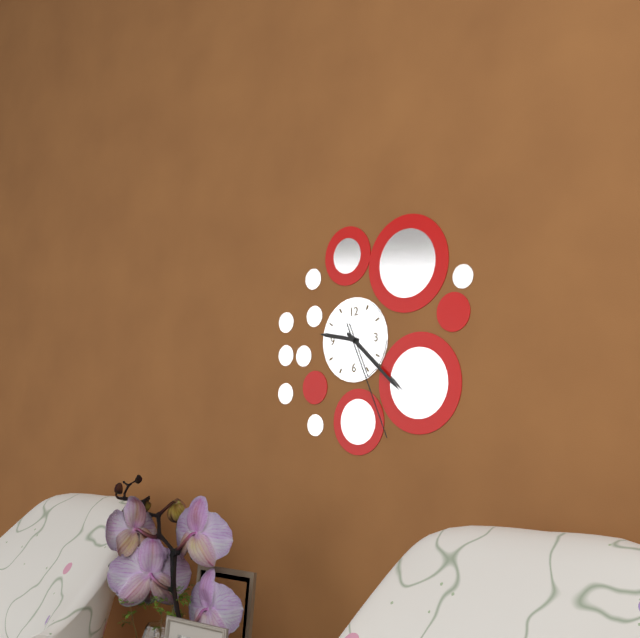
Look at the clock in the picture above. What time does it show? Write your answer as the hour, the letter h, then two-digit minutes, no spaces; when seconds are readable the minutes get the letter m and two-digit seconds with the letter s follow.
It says 9h22m26s
